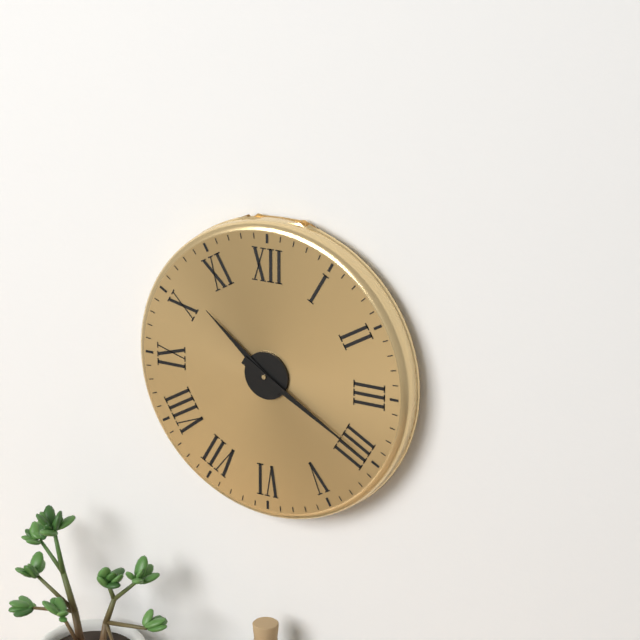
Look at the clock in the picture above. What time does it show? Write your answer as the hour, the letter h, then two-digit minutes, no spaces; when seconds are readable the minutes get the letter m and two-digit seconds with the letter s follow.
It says 10h20
